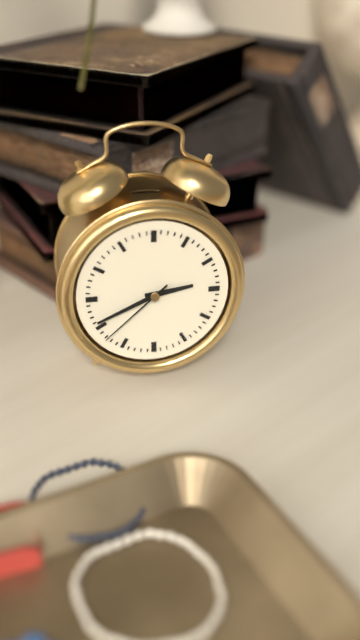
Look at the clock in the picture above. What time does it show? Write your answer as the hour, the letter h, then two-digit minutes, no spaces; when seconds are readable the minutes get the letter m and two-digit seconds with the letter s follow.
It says 2h41m38s
